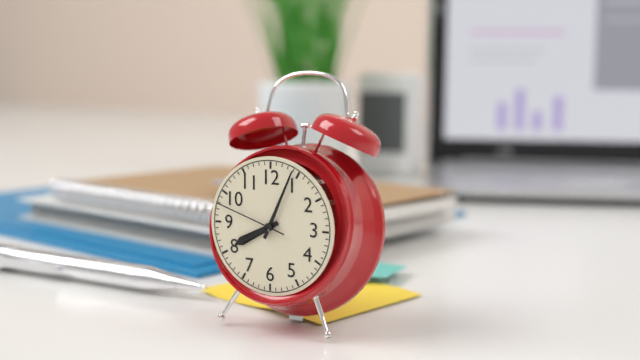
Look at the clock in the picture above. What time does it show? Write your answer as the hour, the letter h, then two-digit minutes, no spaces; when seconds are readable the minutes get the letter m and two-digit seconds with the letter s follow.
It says 8h04m48s
